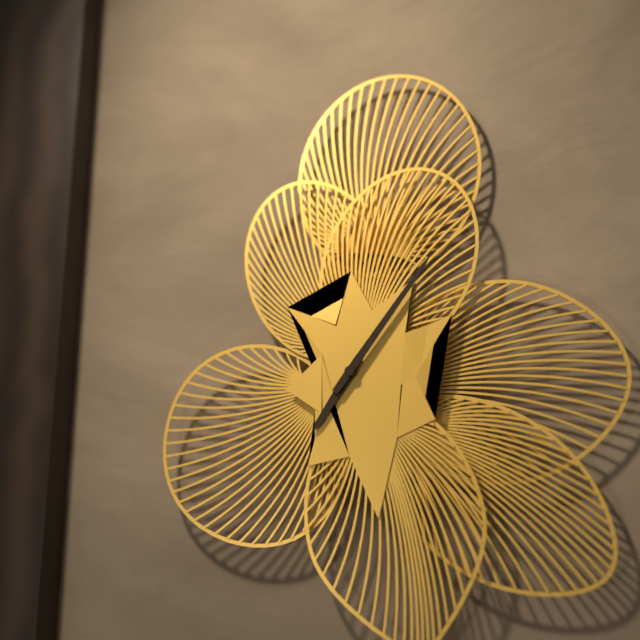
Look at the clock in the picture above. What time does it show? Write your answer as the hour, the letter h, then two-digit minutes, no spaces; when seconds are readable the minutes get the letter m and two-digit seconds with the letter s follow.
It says 7h06
